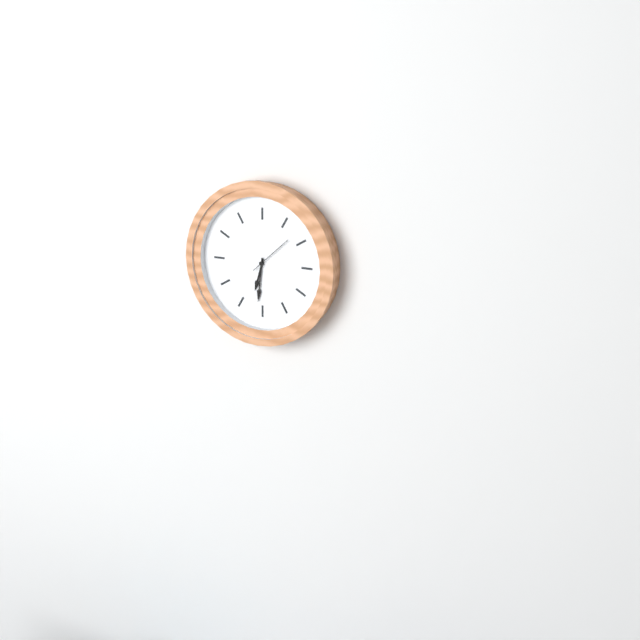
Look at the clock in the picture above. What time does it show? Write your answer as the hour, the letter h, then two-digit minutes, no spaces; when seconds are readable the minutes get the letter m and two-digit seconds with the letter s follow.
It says 6h31
